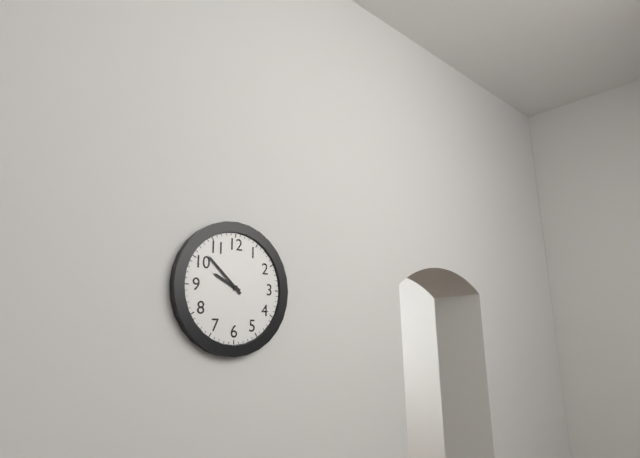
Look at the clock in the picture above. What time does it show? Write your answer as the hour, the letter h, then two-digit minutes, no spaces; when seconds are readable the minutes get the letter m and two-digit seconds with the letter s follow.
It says 9h52
